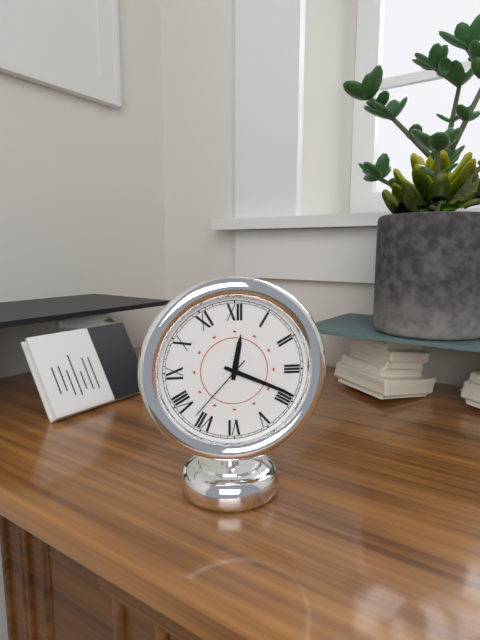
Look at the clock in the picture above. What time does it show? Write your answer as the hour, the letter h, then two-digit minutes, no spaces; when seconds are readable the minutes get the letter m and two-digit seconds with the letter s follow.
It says 12h19m37s
